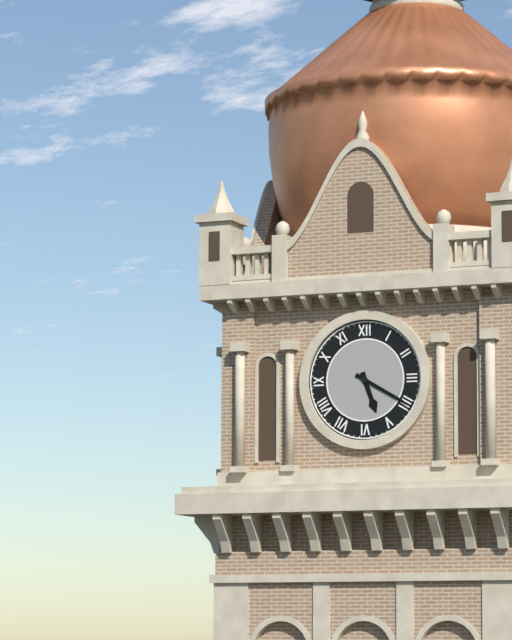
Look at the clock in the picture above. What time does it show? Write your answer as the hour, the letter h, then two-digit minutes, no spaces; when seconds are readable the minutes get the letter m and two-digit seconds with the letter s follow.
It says 5h20
